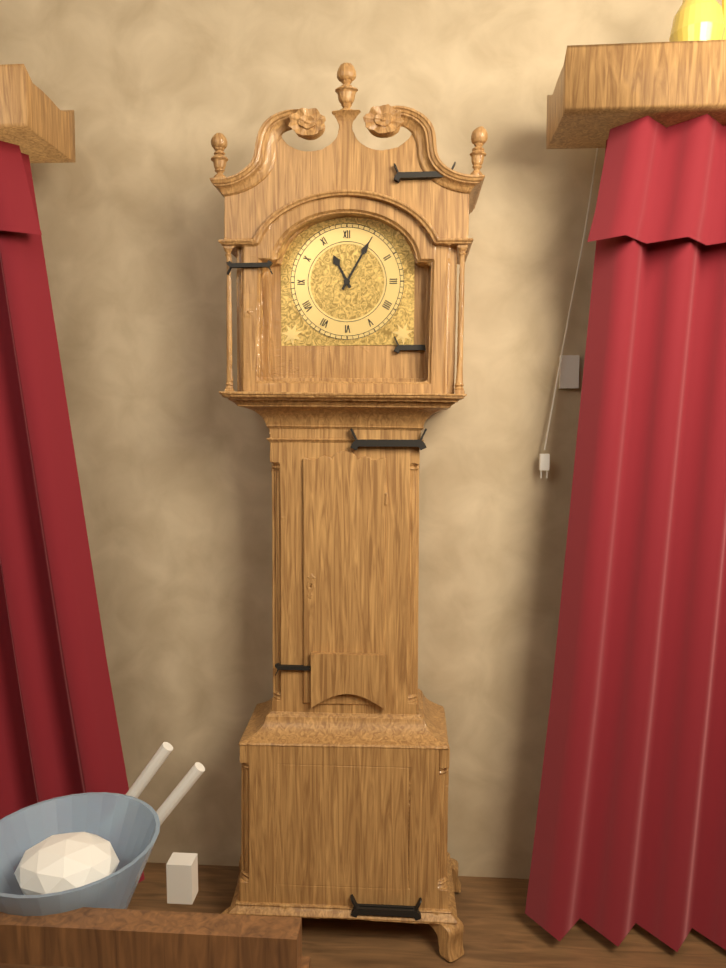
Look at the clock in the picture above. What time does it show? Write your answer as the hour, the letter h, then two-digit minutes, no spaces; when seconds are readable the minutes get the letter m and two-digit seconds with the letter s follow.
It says 11h05
